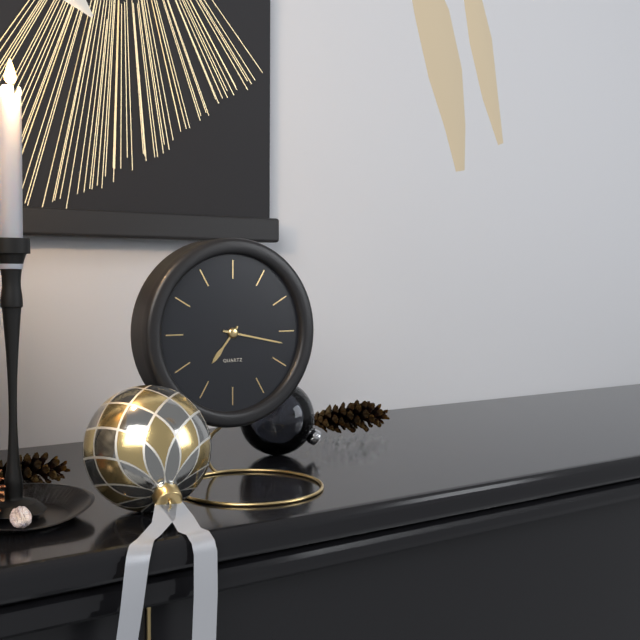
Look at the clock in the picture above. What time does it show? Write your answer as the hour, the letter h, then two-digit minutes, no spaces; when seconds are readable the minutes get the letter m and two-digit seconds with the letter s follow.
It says 7h17
